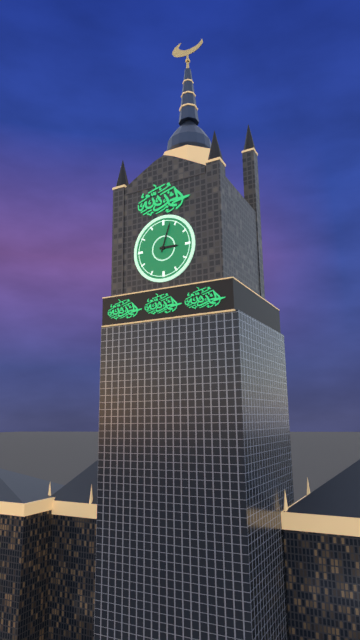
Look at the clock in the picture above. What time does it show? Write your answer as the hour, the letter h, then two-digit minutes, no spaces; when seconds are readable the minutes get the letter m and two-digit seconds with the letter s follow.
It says 3h03
